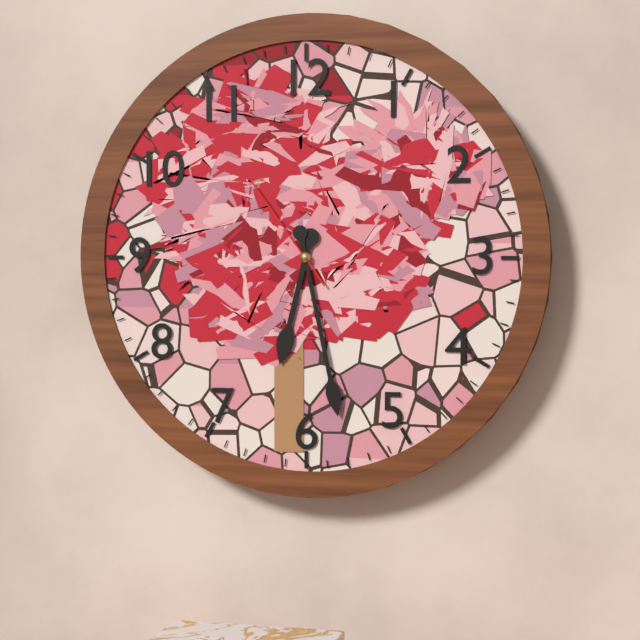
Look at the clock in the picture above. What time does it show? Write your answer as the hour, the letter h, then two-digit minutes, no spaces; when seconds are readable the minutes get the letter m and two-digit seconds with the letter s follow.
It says 6h28m54s
